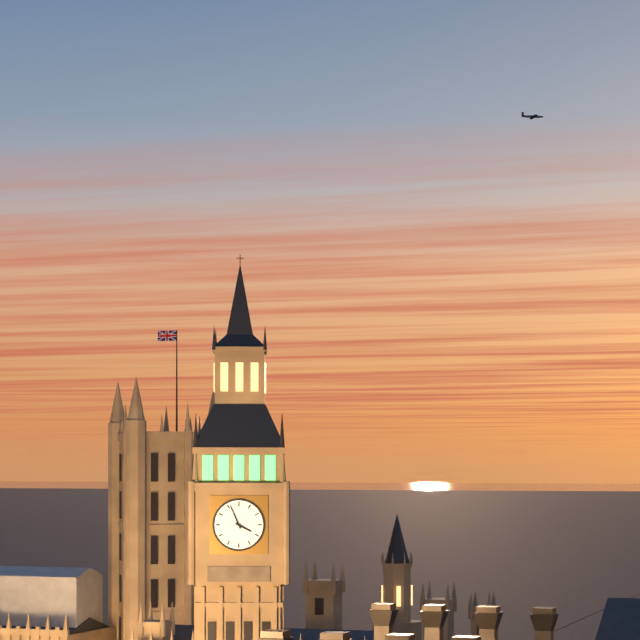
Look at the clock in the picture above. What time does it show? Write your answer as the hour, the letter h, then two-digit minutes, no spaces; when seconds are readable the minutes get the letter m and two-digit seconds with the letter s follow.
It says 3h56
